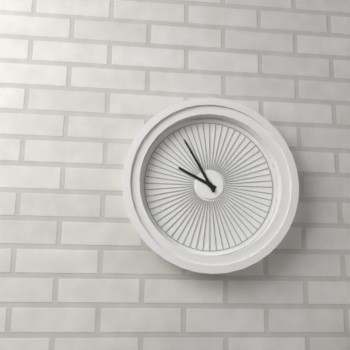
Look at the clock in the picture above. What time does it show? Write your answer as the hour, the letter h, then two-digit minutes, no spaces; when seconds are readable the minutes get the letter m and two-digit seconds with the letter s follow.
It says 9h55
